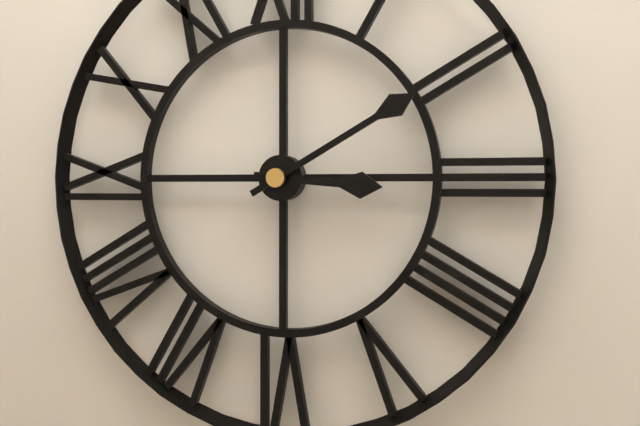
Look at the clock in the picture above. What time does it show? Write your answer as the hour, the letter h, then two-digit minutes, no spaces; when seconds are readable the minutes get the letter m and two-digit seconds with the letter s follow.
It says 3h10
